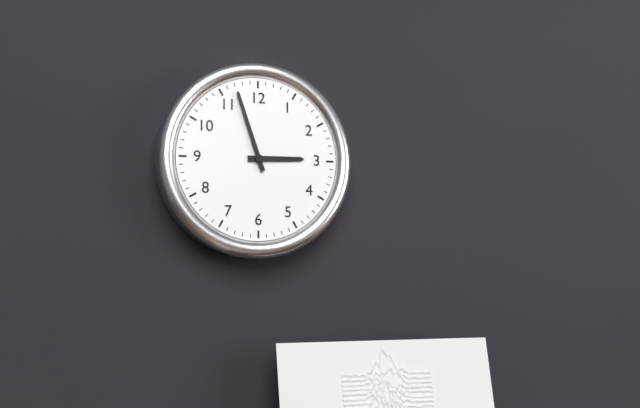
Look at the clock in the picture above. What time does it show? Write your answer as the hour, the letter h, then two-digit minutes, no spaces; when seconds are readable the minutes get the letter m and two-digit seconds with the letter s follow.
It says 2h57
